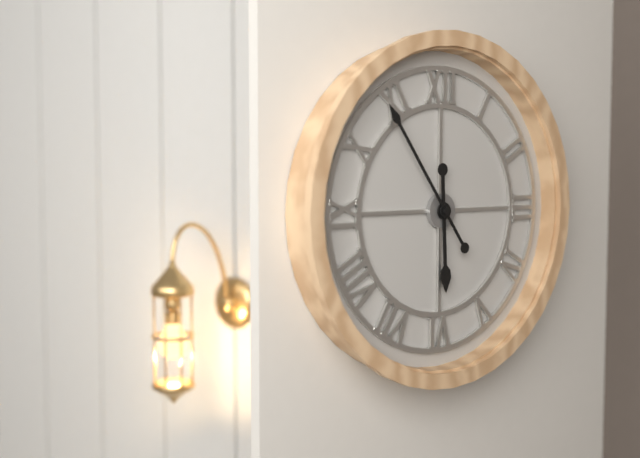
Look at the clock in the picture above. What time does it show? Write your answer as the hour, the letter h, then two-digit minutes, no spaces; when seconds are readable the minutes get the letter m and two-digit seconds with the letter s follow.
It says 5h54
